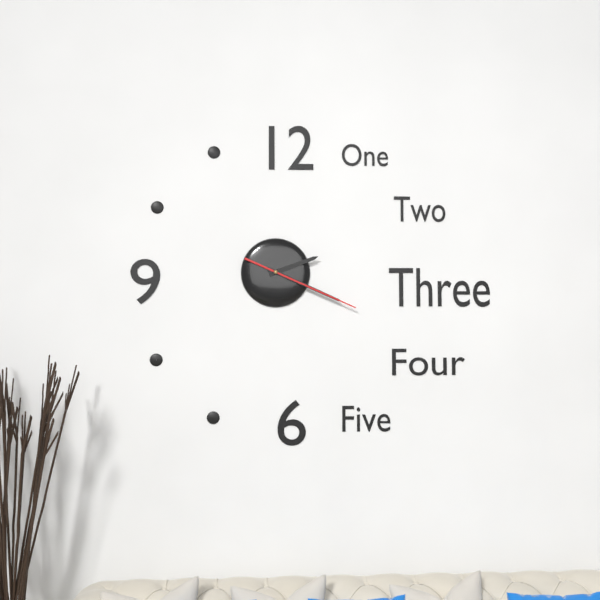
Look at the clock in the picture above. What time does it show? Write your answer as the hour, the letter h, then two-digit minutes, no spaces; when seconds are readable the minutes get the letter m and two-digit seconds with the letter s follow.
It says 2h19m19s
